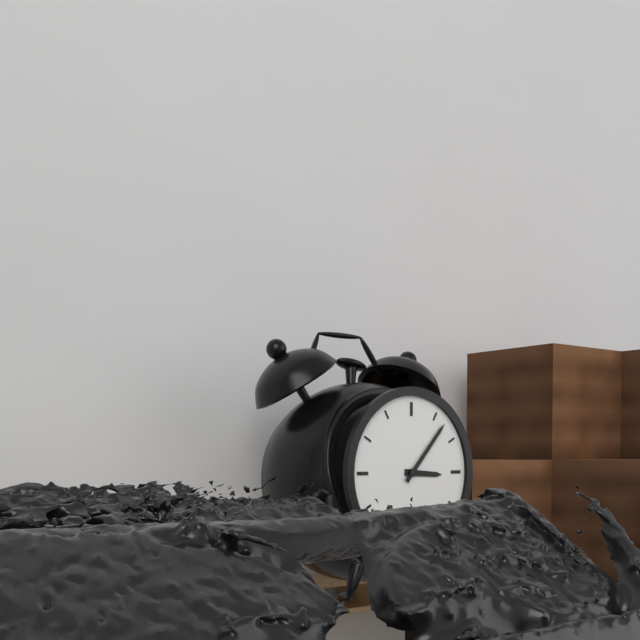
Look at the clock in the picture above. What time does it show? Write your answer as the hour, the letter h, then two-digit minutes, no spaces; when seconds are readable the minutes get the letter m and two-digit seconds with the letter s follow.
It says 3h07
